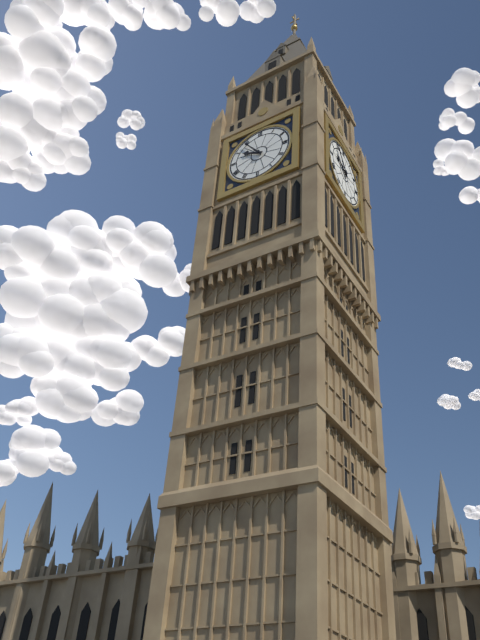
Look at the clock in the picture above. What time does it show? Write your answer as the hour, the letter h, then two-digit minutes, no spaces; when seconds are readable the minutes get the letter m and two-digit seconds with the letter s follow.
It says 9h54
